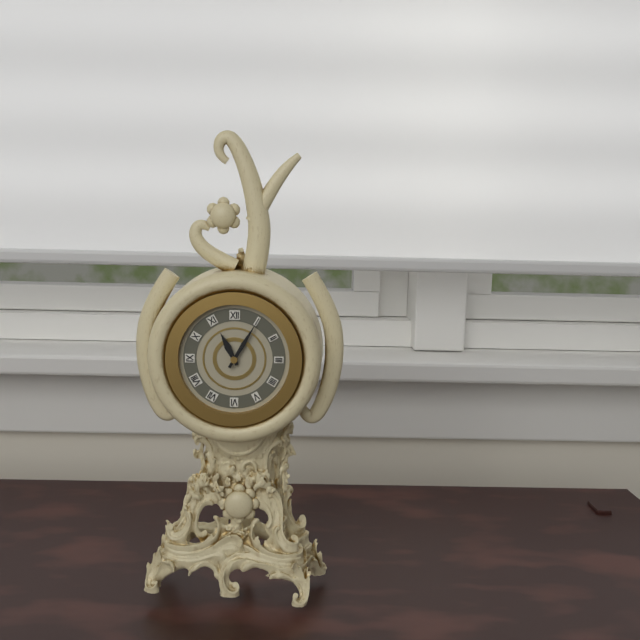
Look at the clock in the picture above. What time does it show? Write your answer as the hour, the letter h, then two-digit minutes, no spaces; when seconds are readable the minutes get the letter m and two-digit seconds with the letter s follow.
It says 11h05
